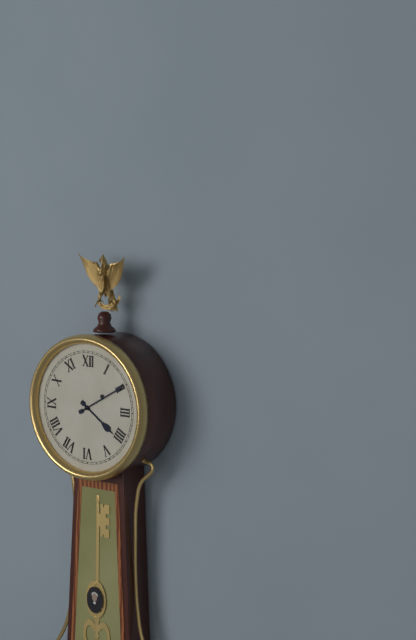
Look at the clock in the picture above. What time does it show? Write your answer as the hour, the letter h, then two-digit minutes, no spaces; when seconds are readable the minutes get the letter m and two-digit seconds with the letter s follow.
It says 4h10
